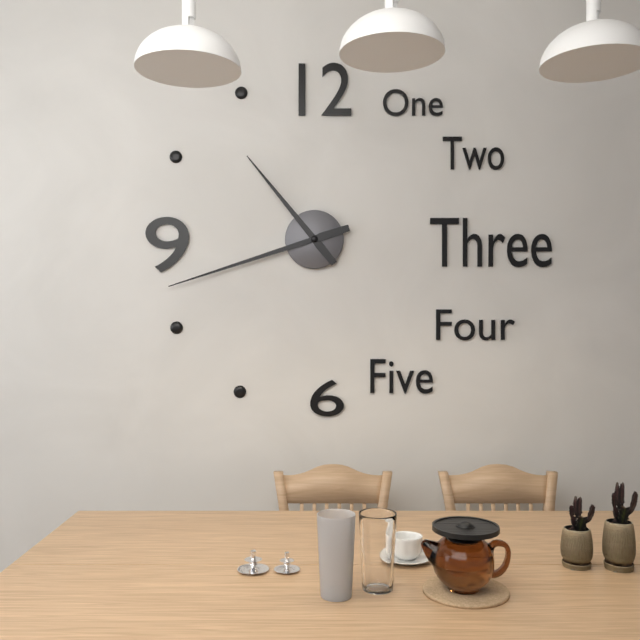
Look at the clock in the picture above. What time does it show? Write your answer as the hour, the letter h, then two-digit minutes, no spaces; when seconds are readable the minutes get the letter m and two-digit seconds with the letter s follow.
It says 10h42
